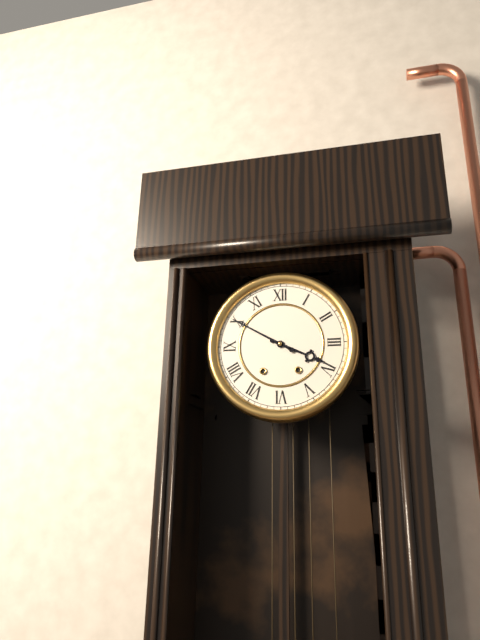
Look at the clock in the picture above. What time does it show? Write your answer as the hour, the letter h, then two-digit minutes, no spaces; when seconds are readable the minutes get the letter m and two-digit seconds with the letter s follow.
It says 3h50
